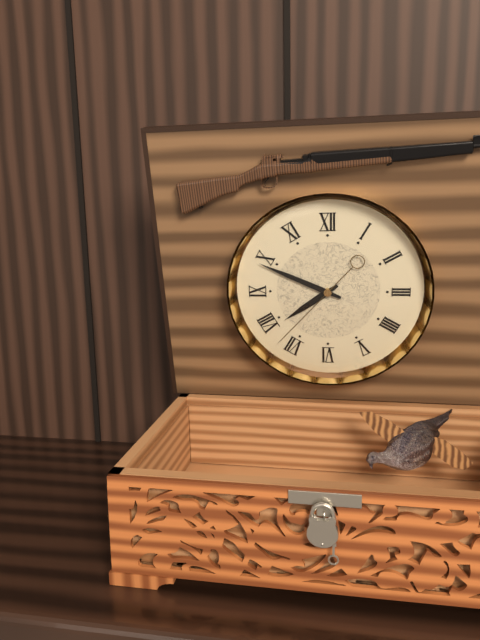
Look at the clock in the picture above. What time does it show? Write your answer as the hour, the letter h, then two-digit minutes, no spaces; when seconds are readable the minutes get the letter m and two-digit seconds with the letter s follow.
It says 7h49m37s
